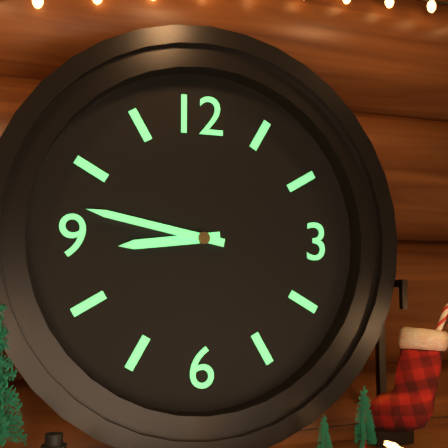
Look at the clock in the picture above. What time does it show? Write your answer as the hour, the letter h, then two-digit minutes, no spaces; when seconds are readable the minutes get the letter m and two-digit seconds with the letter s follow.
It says 8h47
